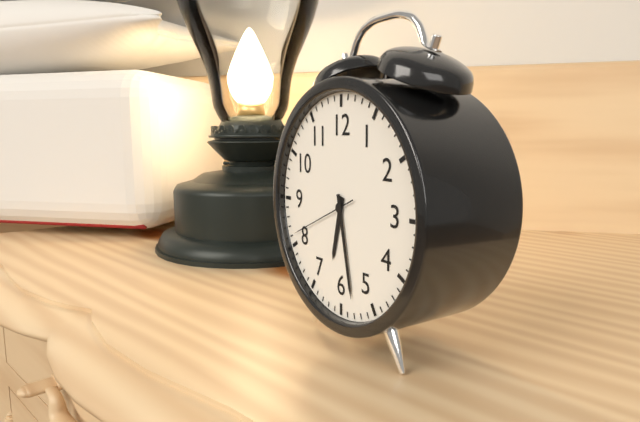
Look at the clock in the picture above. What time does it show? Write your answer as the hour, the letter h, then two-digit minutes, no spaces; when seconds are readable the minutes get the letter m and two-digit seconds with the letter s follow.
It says 6h28m41s
